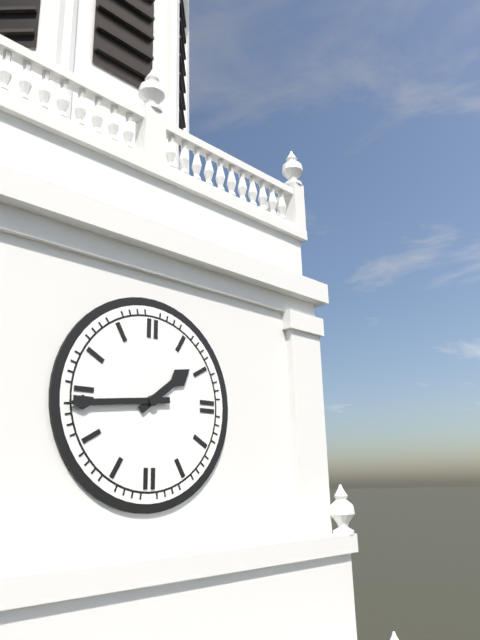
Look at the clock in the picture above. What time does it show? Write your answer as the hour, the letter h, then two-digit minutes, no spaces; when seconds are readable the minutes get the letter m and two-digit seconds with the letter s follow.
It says 1h44
